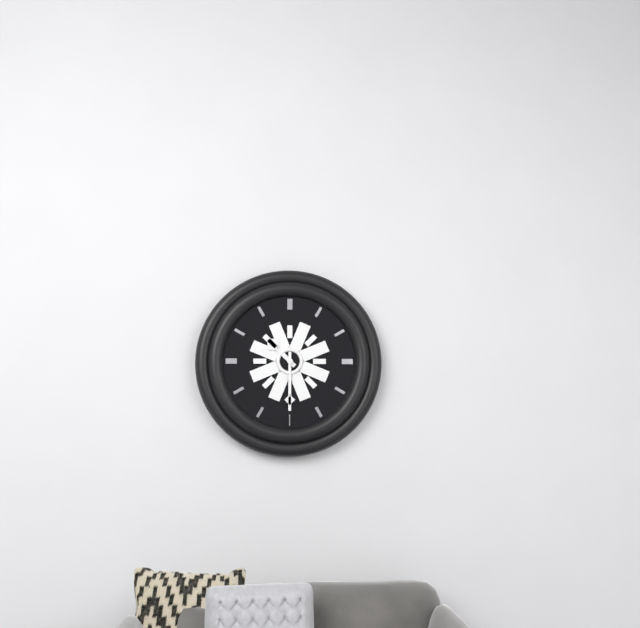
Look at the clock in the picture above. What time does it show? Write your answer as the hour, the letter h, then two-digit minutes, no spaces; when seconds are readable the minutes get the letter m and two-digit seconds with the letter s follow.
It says 10h30
